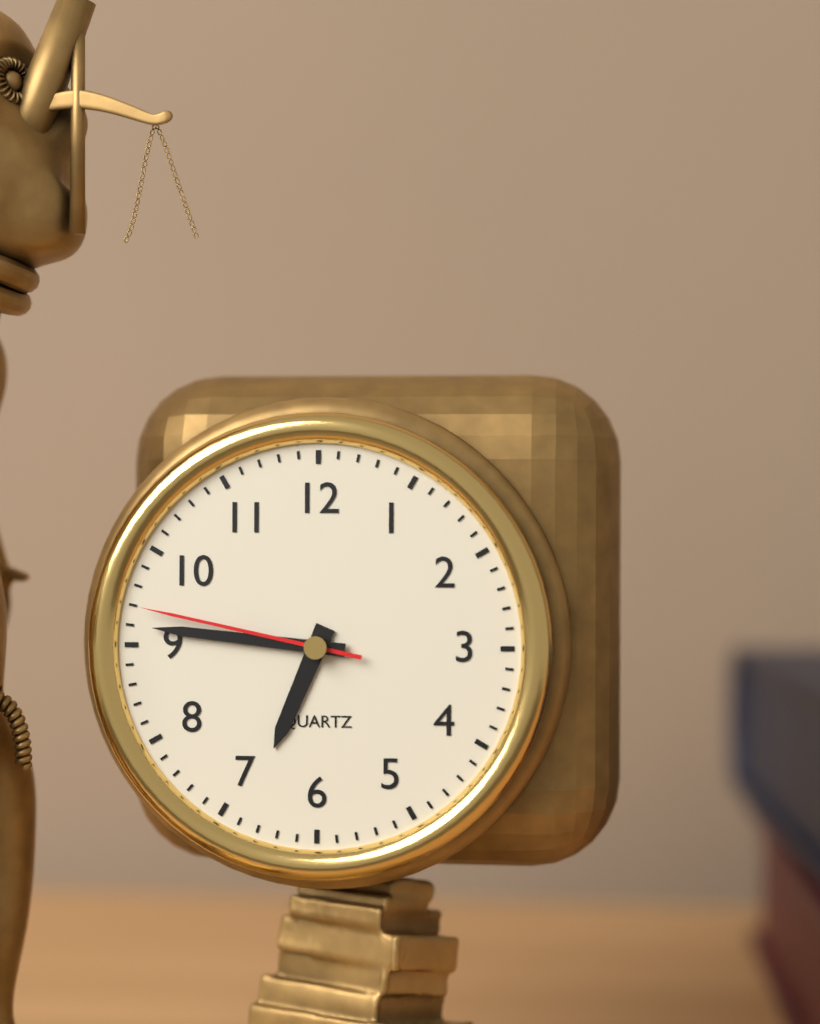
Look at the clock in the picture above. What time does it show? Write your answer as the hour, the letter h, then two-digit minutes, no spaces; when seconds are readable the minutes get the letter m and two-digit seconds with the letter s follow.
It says 6h46m47s
